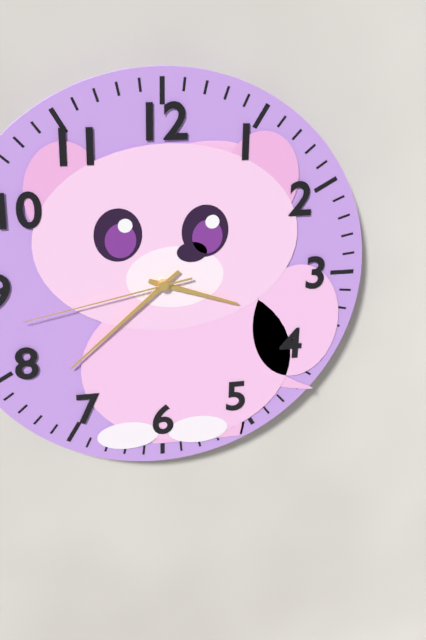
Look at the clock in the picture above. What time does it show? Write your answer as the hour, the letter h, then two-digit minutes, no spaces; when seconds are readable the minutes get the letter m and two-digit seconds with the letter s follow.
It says 3h38m43s
